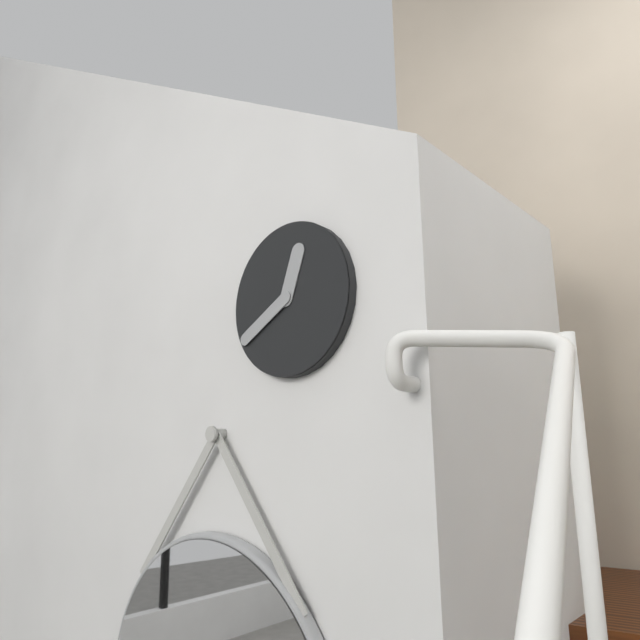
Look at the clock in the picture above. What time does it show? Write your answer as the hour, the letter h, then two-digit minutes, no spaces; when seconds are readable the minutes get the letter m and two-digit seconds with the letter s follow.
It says 12h40
